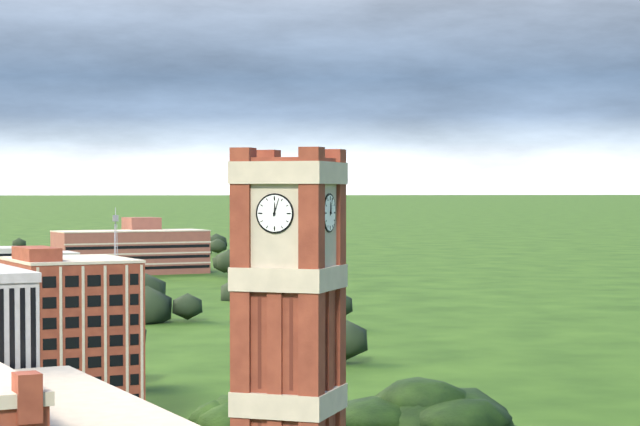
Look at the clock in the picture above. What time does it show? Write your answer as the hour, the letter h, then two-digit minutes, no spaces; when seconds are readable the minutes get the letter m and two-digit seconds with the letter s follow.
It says 12h03
